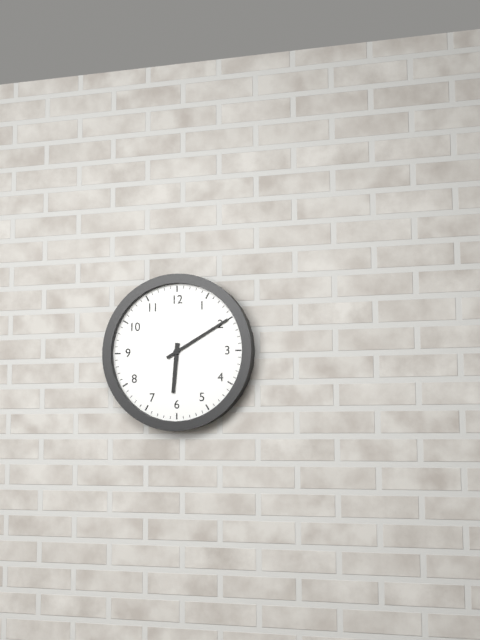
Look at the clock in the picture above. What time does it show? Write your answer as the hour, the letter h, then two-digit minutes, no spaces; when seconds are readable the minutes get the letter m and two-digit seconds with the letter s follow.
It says 6h10
